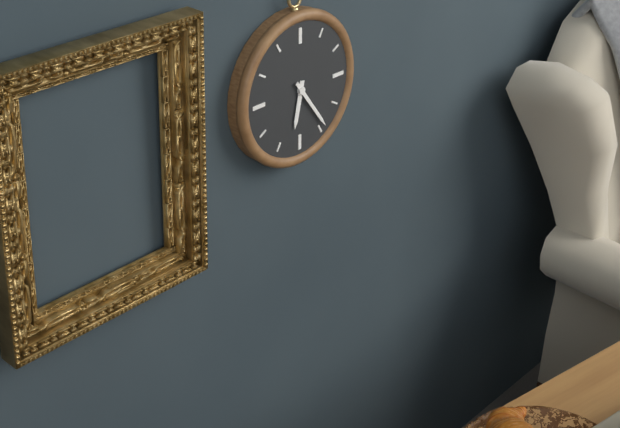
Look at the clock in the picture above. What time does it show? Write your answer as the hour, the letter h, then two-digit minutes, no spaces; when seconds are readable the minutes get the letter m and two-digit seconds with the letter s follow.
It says 6h24
